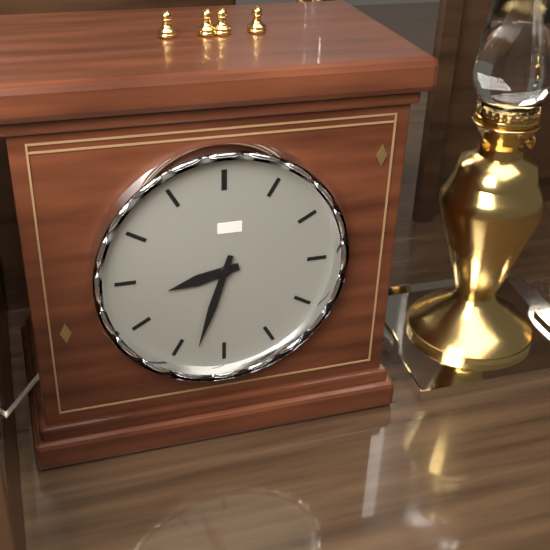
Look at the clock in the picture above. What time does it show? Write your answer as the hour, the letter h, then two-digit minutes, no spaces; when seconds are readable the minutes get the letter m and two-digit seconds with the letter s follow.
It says 8h33
